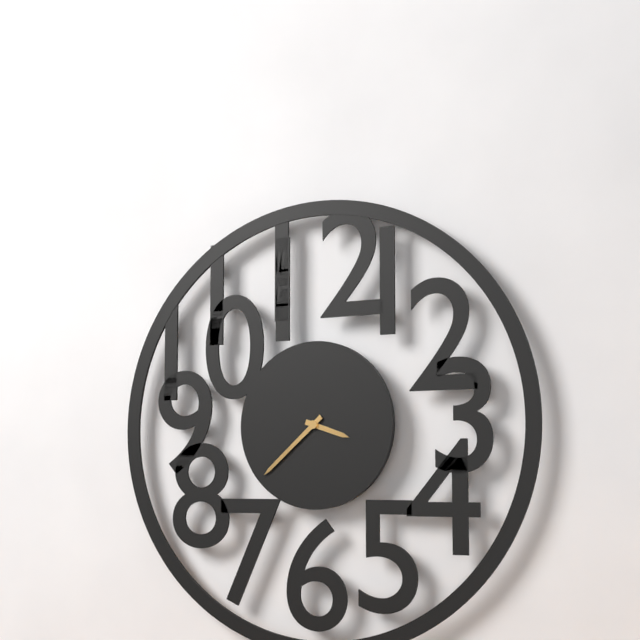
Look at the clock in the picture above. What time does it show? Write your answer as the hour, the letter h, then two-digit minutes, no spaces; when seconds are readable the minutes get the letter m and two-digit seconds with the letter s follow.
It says 3h38
